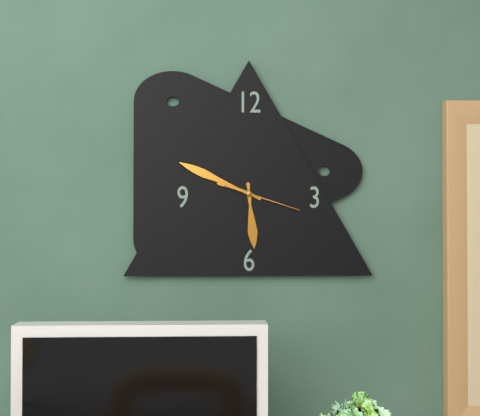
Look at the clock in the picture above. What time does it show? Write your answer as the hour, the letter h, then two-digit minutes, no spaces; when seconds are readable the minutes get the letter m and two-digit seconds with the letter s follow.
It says 5h49m18s
